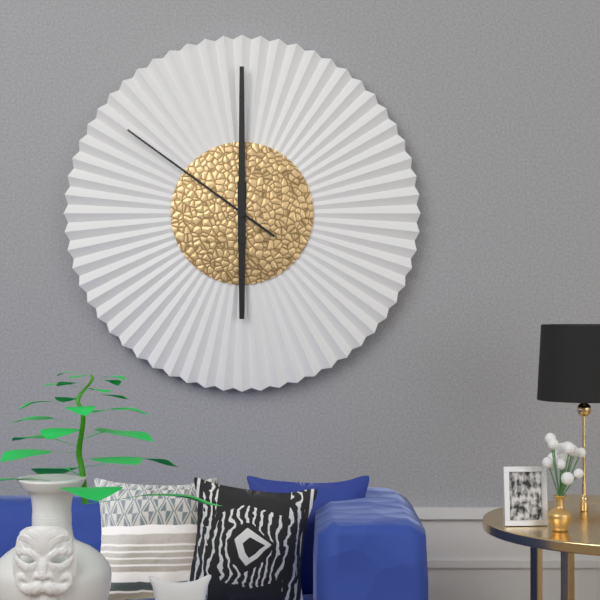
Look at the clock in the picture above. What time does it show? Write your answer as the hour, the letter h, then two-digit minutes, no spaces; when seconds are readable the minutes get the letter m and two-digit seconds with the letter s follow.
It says 6h00m51s
